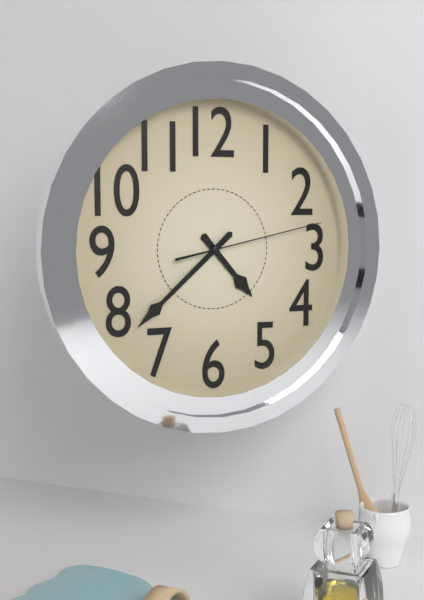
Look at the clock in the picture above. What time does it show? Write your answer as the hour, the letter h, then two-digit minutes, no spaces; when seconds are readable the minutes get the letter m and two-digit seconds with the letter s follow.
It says 4h38m13s
